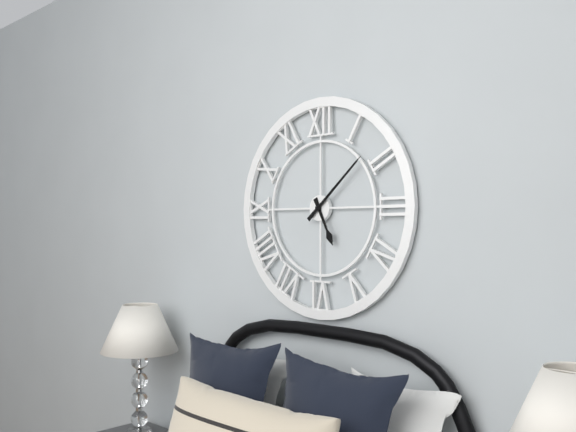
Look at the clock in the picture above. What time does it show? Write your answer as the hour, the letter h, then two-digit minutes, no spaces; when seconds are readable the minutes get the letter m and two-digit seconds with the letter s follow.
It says 5h08
